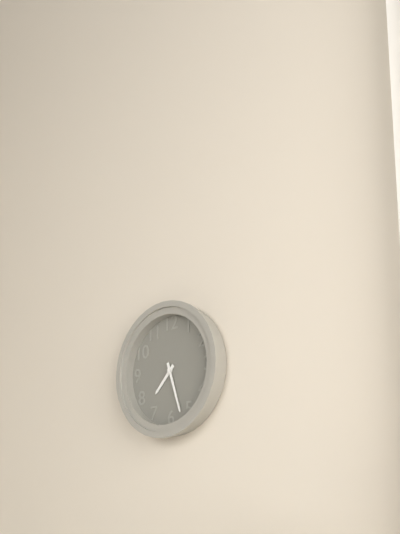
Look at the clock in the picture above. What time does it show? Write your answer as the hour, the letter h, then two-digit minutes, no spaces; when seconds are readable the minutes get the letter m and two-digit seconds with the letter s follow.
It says 7h27
